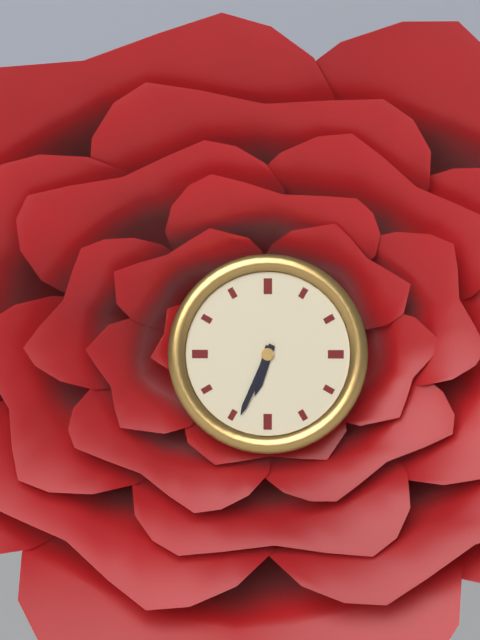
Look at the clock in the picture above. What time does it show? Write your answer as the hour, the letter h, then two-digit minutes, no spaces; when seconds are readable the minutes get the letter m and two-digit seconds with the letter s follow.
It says 6h34
